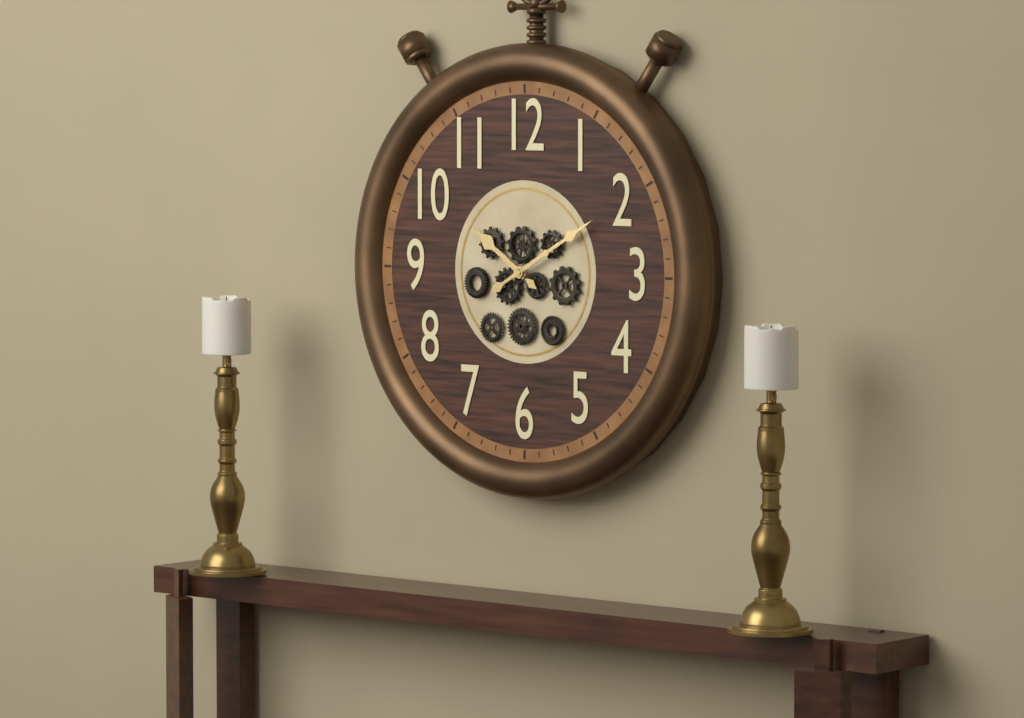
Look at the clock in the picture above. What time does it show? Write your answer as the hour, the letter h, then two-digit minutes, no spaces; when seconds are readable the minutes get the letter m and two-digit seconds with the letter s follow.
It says 10h10
